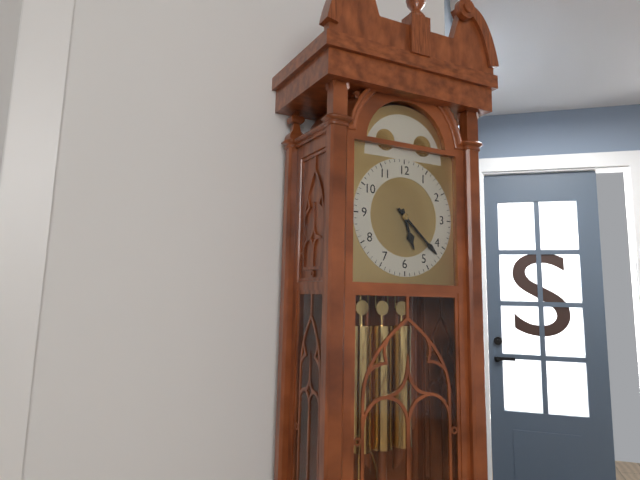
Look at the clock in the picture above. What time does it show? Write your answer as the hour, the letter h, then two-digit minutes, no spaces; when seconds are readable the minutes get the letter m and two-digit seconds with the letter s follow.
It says 5h22
